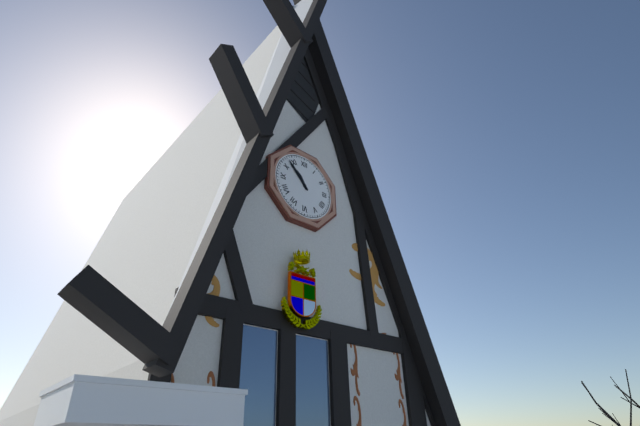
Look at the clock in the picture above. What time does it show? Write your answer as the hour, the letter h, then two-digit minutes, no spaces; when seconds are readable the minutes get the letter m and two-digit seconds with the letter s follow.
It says 10h53
